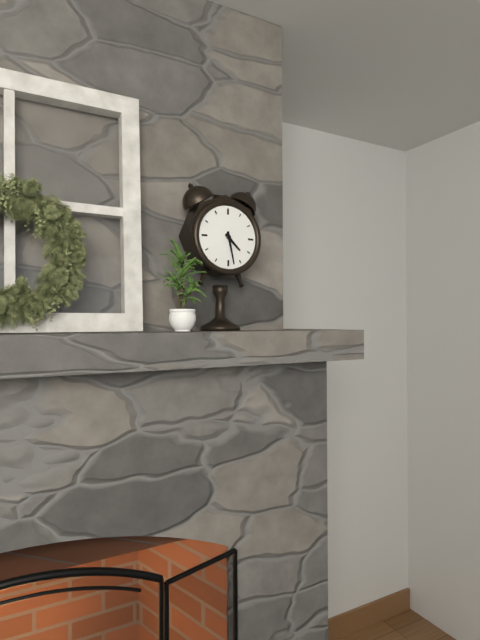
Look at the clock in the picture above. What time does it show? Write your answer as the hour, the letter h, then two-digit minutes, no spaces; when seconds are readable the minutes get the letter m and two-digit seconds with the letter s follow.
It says 4h28
